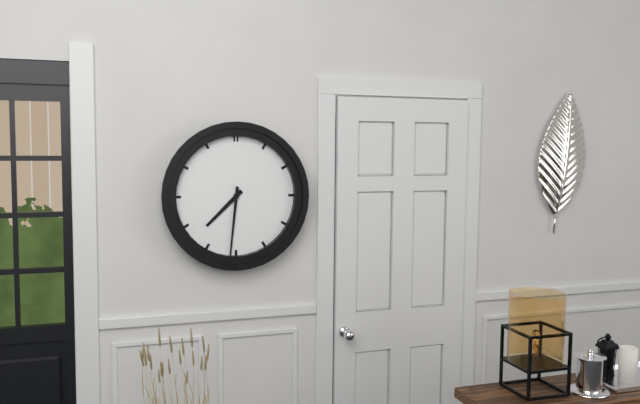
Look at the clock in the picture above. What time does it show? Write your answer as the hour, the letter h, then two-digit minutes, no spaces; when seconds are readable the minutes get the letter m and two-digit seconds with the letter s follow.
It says 7h31
